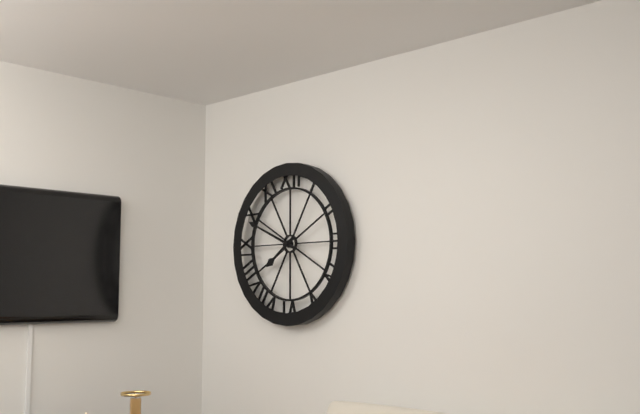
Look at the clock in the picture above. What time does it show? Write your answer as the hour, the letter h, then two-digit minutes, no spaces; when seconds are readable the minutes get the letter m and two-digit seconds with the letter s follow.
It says 7h49
